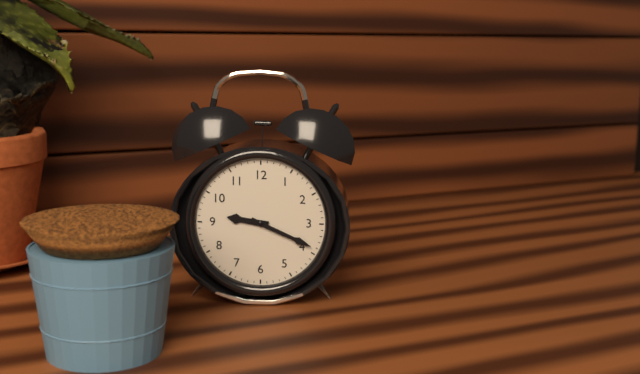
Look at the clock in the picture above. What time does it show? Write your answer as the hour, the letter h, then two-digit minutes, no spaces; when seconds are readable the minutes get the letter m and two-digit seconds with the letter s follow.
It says 9h19
